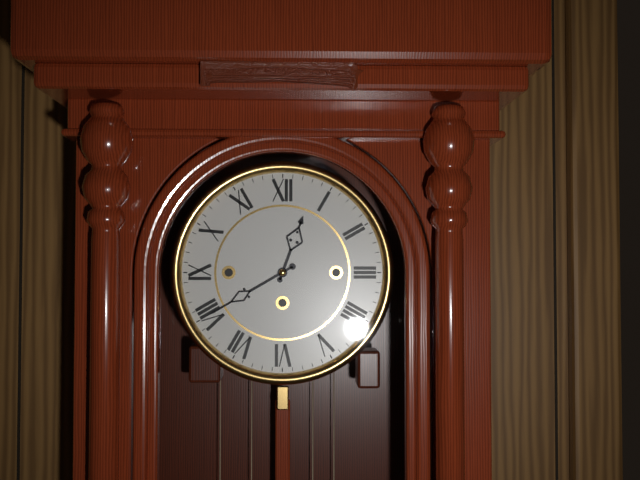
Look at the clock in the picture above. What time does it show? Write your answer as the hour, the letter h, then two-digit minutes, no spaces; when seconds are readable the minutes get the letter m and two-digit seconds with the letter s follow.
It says 12h40
